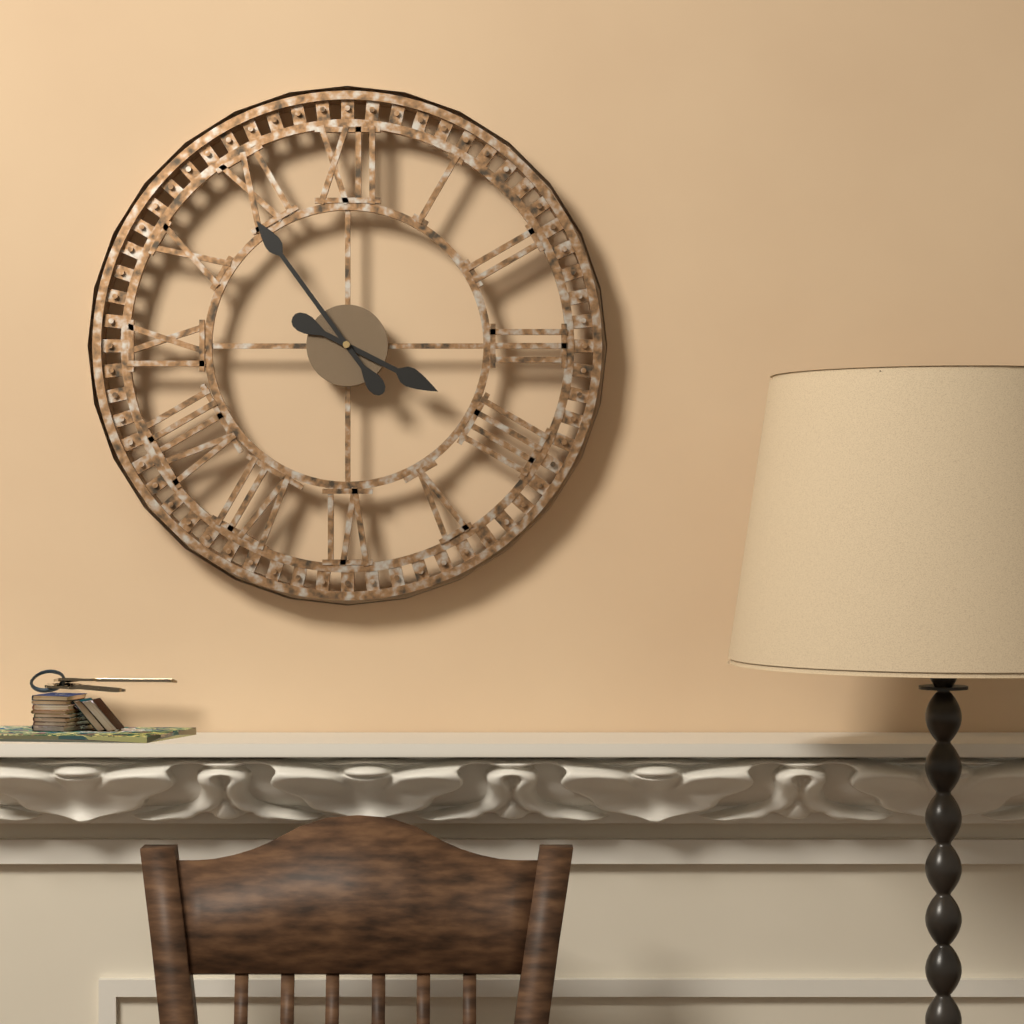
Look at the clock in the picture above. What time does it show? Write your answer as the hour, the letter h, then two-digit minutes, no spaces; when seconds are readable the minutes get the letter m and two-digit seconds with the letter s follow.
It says 3h54
